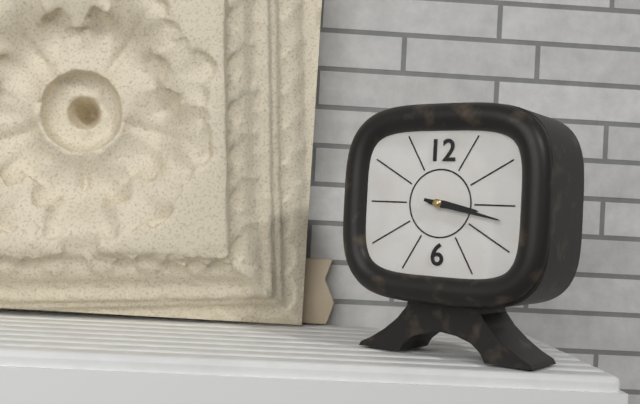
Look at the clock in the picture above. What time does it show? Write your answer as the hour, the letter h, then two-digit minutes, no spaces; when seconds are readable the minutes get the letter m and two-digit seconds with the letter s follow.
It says 3h17
